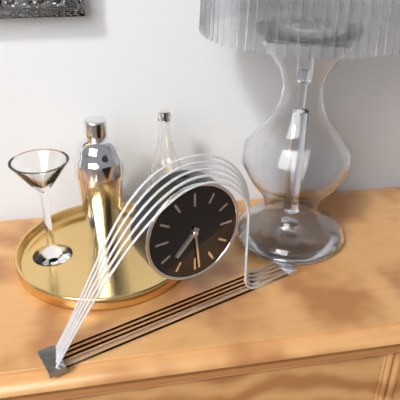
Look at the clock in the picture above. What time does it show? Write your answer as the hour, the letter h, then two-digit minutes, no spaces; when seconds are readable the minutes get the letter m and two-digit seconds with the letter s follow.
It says 7h29
